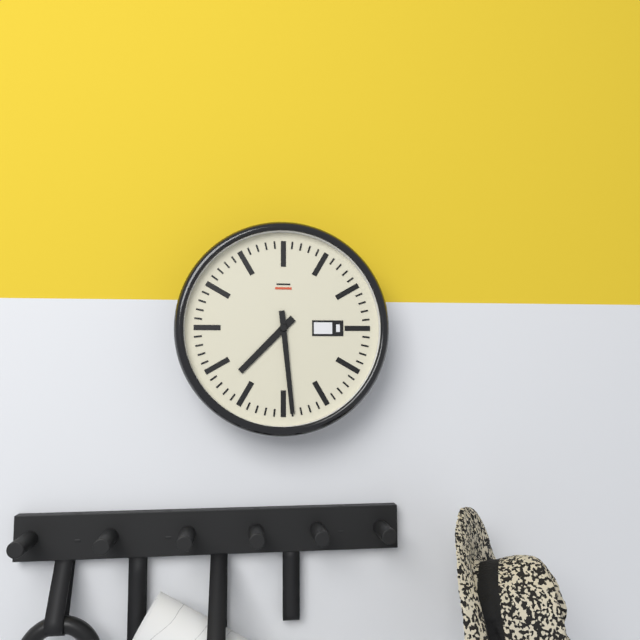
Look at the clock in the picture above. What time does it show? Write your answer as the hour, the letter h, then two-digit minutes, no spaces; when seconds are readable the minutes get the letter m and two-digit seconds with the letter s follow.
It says 7h29
